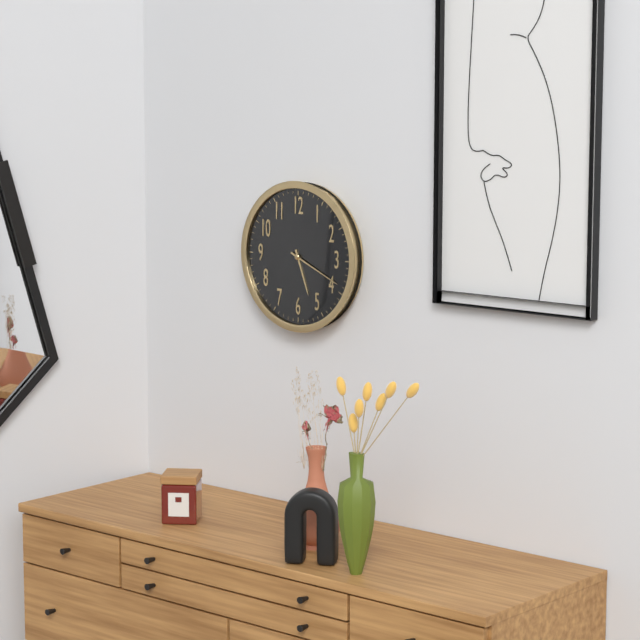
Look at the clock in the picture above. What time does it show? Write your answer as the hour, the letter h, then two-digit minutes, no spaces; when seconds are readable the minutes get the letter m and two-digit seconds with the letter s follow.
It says 5h19
